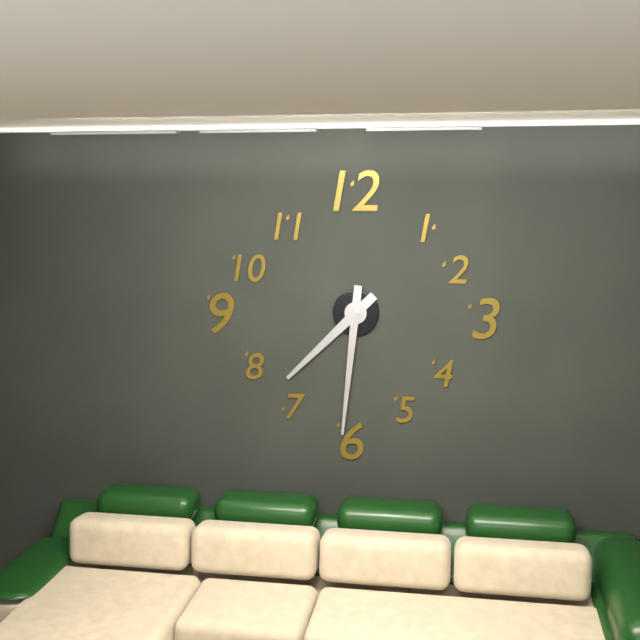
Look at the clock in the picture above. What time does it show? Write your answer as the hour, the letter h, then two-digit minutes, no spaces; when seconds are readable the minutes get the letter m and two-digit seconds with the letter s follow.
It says 7h31
